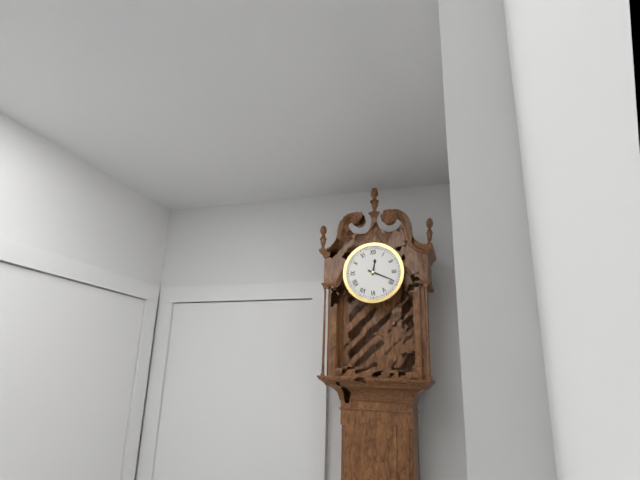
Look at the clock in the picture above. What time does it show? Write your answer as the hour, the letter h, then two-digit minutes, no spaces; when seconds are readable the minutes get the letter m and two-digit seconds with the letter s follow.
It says 12h19
